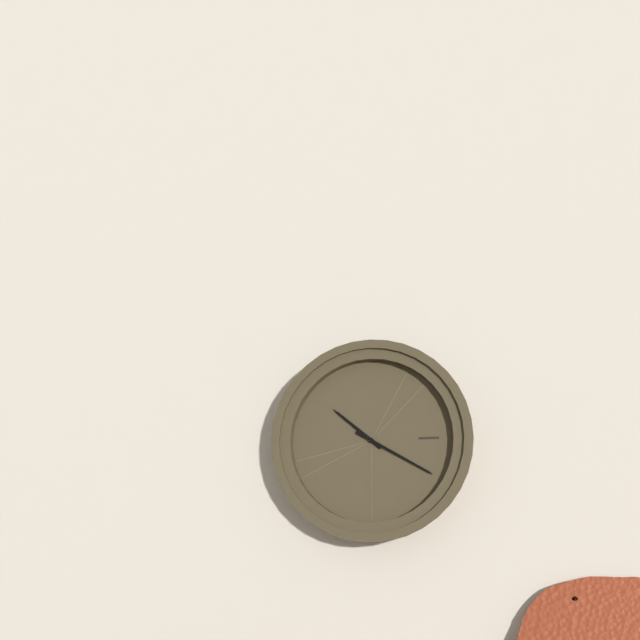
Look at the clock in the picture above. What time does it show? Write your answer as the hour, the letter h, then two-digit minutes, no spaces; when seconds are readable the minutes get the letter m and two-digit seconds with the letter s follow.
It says 10h20
